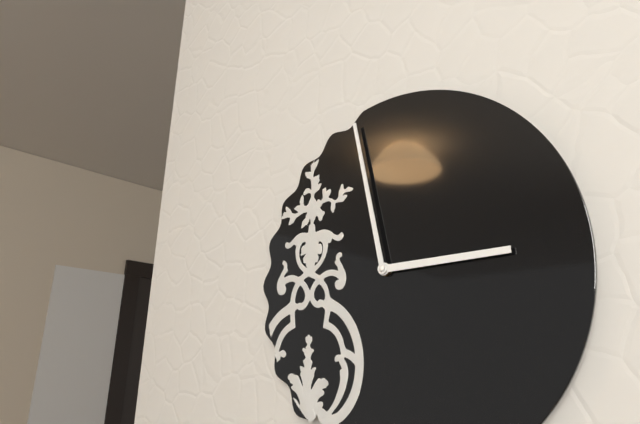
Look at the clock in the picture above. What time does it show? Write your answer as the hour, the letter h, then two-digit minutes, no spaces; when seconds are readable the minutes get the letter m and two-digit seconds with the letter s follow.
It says 2h58
